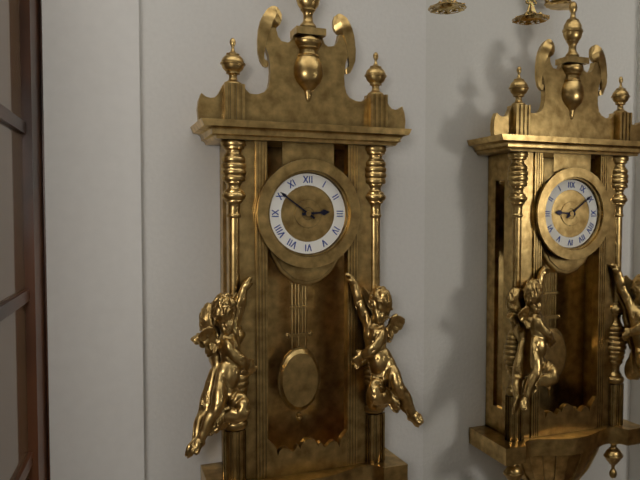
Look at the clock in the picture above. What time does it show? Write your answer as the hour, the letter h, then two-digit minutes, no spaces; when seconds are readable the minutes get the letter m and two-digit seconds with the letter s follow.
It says 2h51
